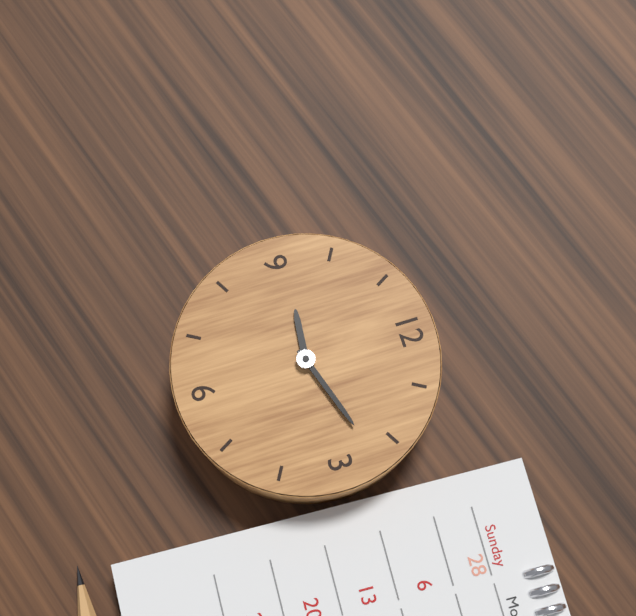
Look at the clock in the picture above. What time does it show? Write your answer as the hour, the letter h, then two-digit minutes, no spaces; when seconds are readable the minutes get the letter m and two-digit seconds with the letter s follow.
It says 9h12
